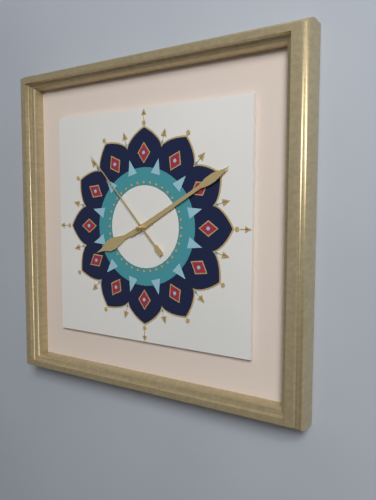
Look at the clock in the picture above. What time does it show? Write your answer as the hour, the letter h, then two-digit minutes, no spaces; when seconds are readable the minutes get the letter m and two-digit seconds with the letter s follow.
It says 8h10m53s
